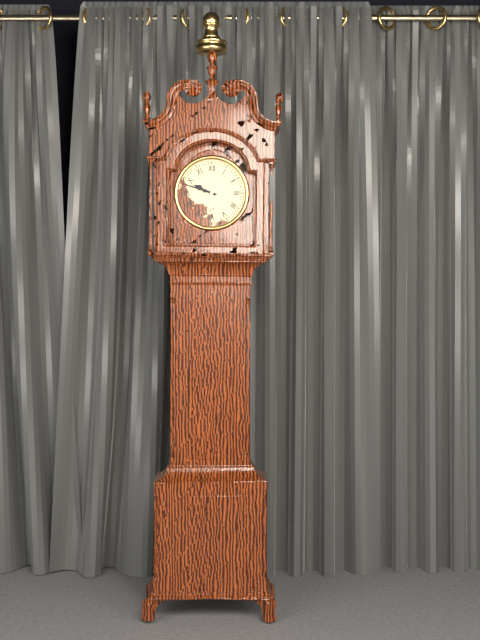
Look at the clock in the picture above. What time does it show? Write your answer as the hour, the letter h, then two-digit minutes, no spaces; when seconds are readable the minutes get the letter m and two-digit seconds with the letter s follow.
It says 9h48
